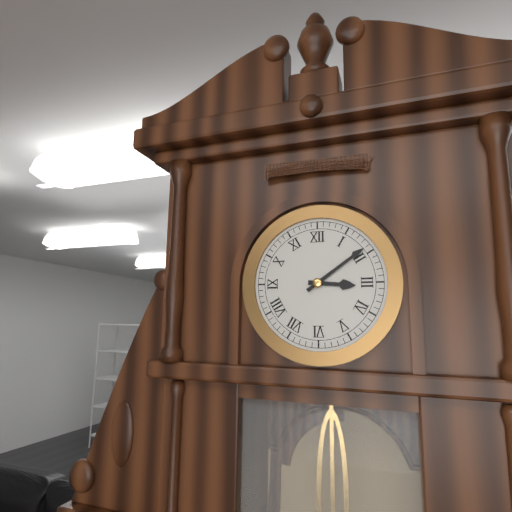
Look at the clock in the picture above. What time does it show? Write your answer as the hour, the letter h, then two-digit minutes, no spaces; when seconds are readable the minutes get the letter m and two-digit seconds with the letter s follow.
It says 3h09
